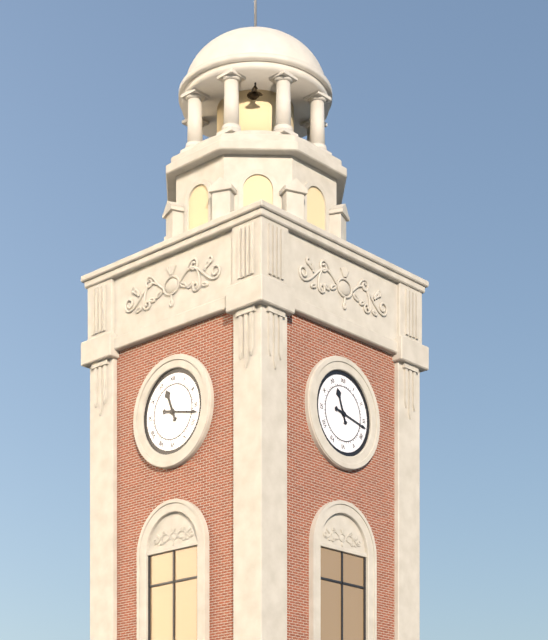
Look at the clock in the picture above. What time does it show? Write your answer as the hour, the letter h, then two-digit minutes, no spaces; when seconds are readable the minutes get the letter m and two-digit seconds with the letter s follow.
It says 11h17
